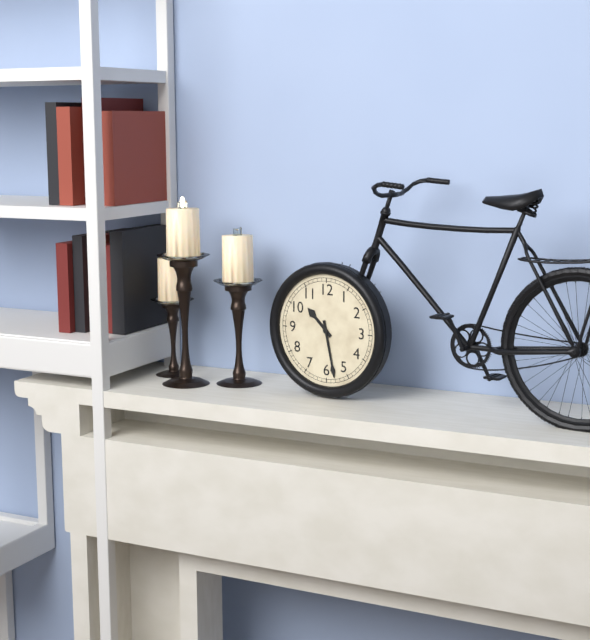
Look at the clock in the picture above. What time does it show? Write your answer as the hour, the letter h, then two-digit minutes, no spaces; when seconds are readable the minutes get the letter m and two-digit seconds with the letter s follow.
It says 10h28
